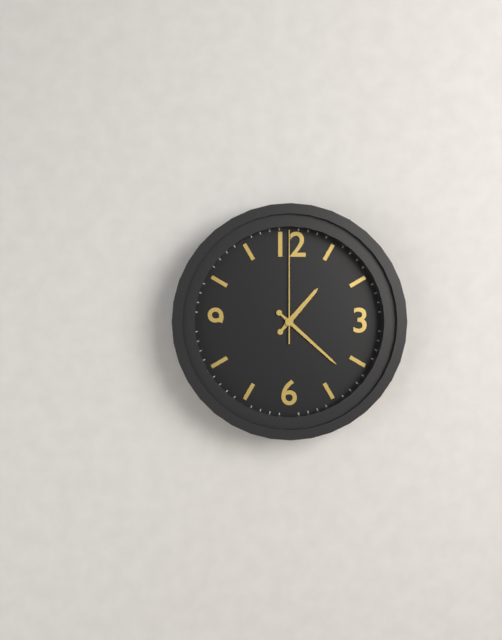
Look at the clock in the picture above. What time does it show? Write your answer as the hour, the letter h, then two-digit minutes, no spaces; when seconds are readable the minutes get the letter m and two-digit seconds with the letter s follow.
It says 1h22m00s
